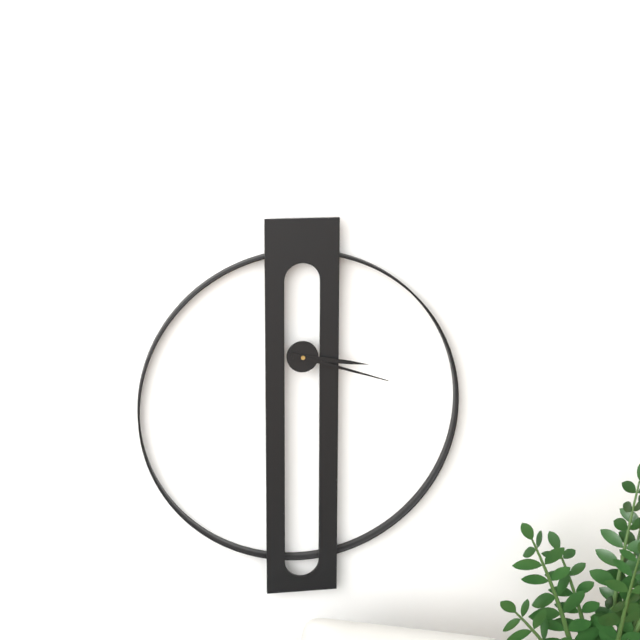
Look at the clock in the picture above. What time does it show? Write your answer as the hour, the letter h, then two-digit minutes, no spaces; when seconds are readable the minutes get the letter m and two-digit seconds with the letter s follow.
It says 3h18
